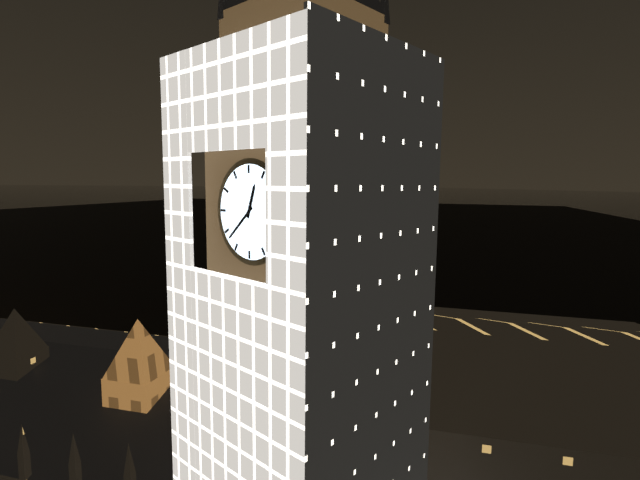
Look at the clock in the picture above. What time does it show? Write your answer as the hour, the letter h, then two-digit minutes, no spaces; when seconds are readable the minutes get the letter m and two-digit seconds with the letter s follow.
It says 12h38
